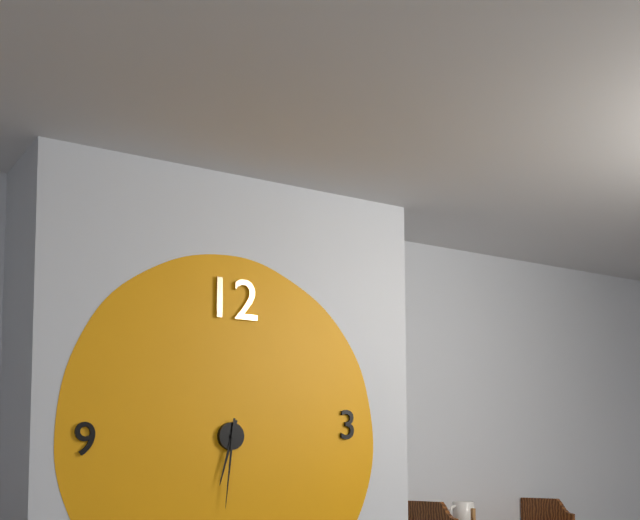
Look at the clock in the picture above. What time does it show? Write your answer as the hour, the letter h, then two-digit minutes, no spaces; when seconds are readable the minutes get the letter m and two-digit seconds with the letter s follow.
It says 6h31
